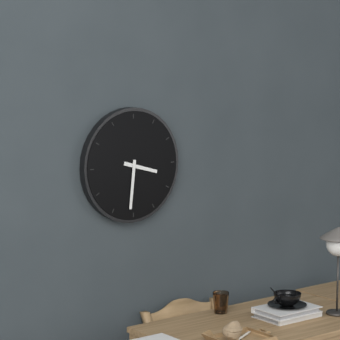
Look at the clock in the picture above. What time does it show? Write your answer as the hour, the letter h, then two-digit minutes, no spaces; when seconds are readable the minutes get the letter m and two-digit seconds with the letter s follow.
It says 3h31
